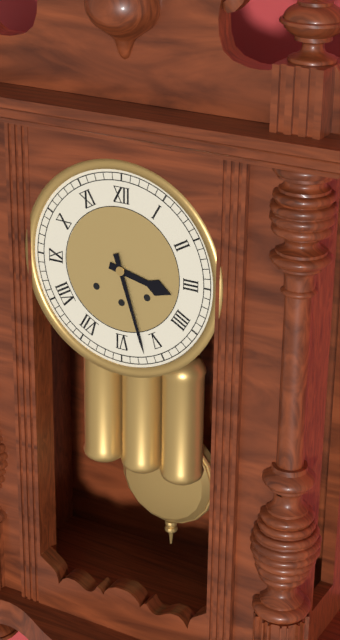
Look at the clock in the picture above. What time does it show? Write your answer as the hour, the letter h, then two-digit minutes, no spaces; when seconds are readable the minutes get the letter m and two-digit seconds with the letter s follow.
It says 3h27
